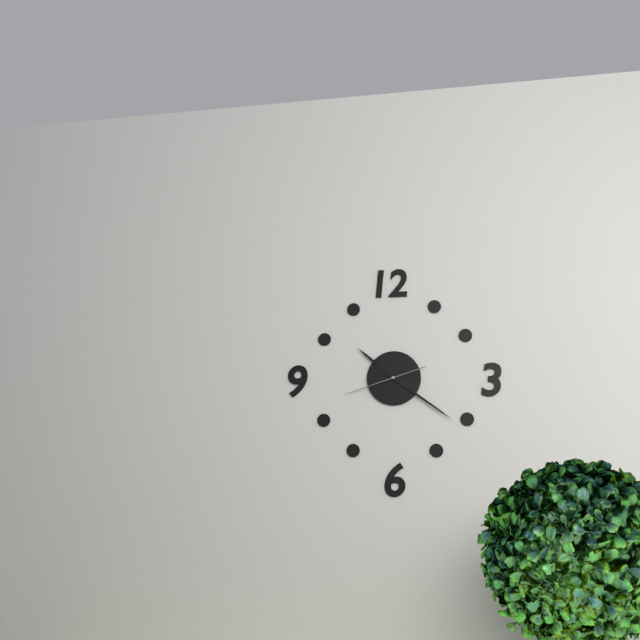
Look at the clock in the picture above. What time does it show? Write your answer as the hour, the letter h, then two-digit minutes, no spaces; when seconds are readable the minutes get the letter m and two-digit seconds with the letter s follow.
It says 10h21m42s
